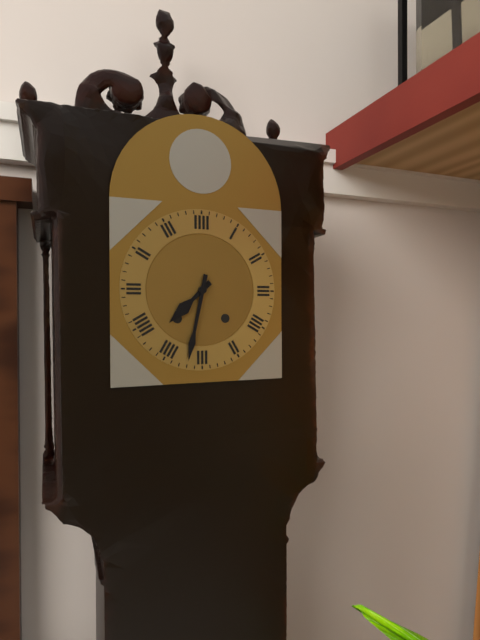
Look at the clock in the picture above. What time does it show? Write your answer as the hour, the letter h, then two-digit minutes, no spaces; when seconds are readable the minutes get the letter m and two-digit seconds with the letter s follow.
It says 7h32
